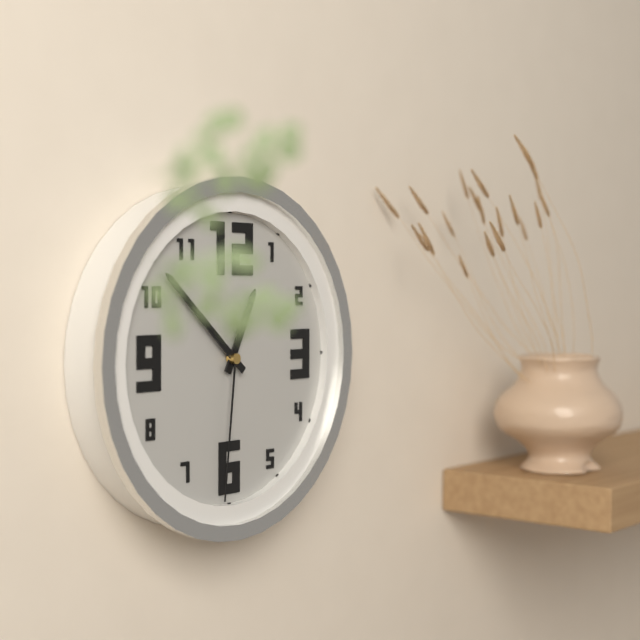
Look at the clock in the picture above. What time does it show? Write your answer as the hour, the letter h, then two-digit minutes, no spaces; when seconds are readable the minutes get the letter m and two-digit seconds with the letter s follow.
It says 12h52m31s
